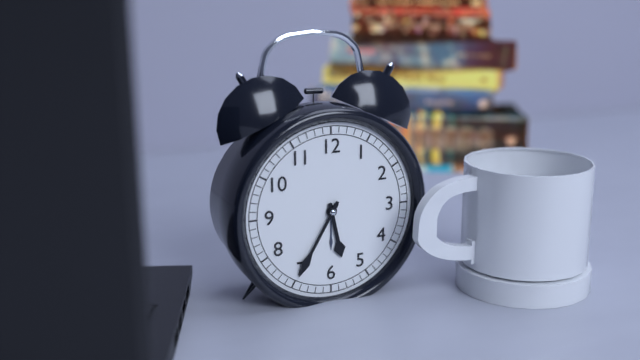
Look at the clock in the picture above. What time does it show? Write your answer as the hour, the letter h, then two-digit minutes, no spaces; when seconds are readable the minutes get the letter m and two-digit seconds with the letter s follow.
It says 5h35
